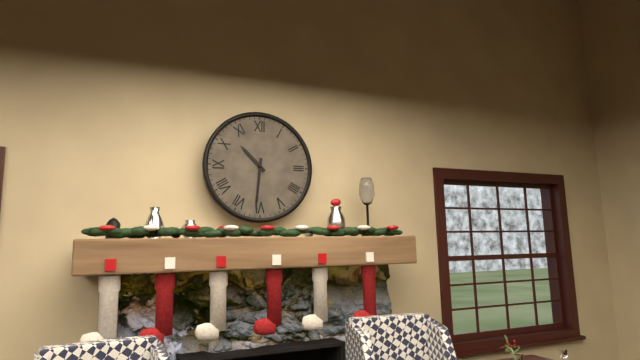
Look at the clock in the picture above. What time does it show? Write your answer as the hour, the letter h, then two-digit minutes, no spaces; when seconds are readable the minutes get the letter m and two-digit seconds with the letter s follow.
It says 10h31
